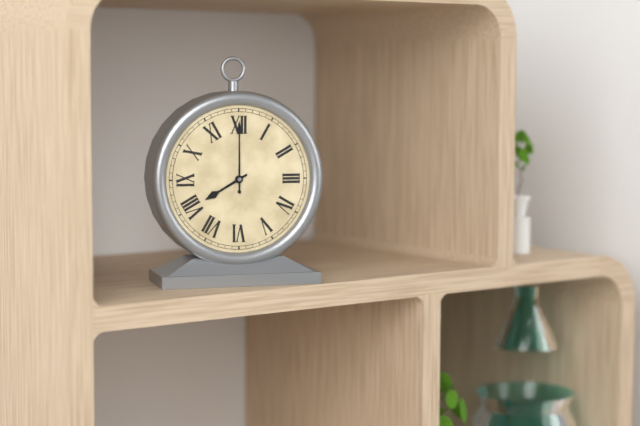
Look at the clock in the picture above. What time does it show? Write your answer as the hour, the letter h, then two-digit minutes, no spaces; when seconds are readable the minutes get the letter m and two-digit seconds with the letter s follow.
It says 8h00
